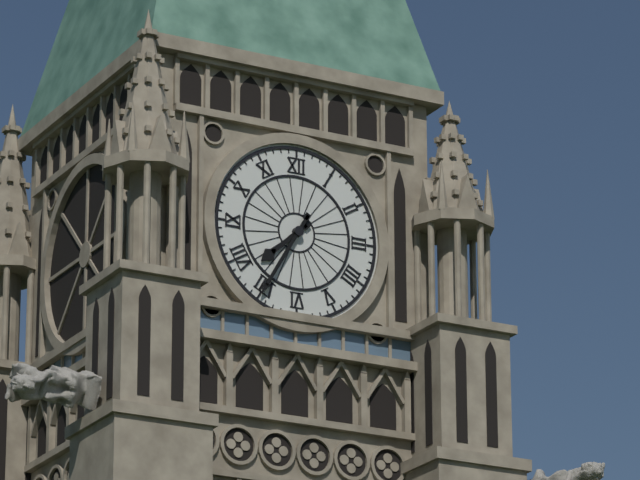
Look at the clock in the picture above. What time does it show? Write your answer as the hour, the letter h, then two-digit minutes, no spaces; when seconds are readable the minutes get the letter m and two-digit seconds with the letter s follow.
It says 7h35
